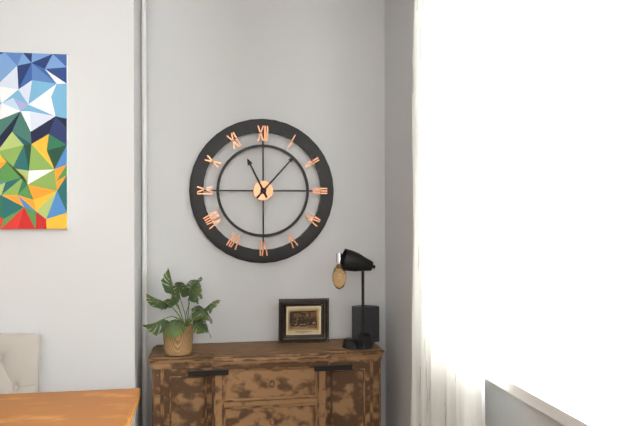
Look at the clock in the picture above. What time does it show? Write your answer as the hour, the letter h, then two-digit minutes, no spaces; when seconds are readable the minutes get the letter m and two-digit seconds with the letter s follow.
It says 11h07
